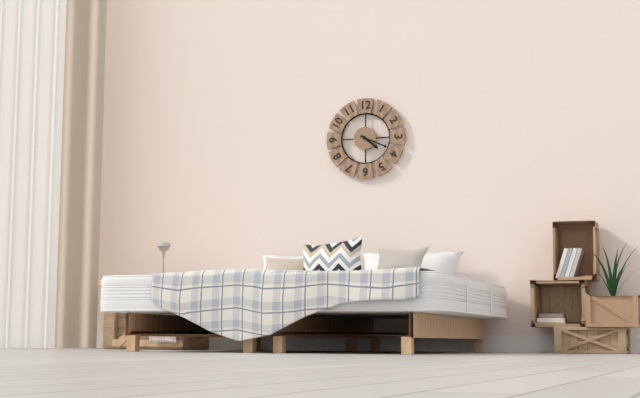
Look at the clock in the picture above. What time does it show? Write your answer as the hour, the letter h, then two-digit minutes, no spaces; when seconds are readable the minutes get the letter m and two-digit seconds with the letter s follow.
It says 4h19
